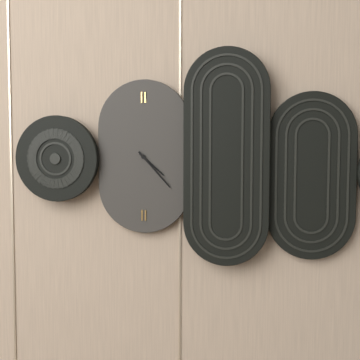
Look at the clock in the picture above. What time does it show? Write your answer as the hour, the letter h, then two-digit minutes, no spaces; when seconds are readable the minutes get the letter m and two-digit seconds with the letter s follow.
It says 4h23
